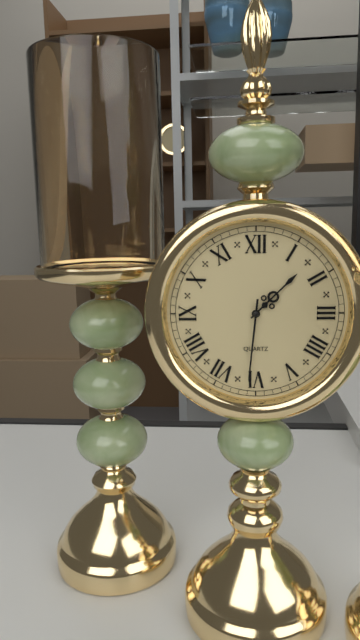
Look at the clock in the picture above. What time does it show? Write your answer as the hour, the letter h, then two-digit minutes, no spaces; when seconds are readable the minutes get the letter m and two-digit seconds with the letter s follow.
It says 1h31
